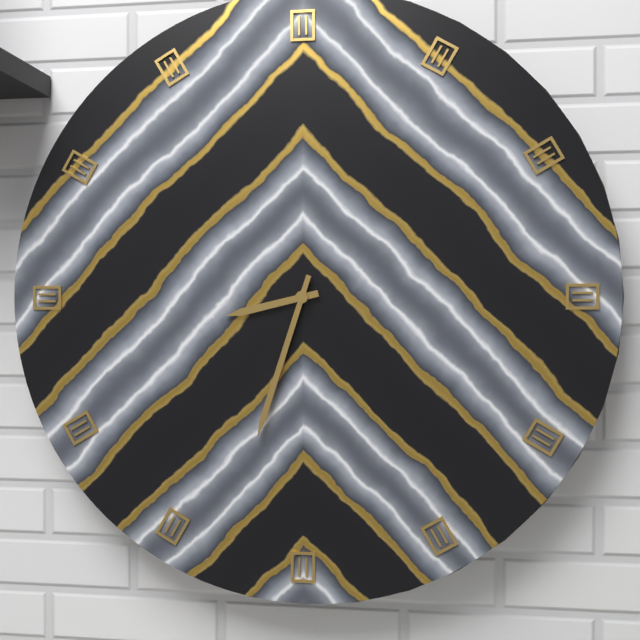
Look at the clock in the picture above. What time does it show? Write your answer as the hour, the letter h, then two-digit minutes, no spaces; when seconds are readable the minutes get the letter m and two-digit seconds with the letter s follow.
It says 8h33
